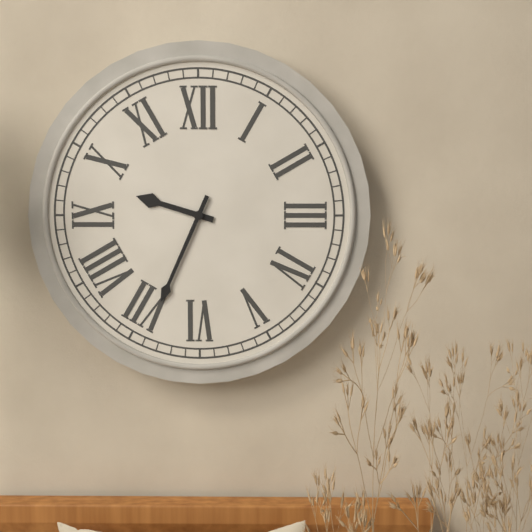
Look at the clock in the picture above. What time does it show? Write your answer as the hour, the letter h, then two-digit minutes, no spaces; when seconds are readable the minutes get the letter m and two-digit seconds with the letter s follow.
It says 9h34
